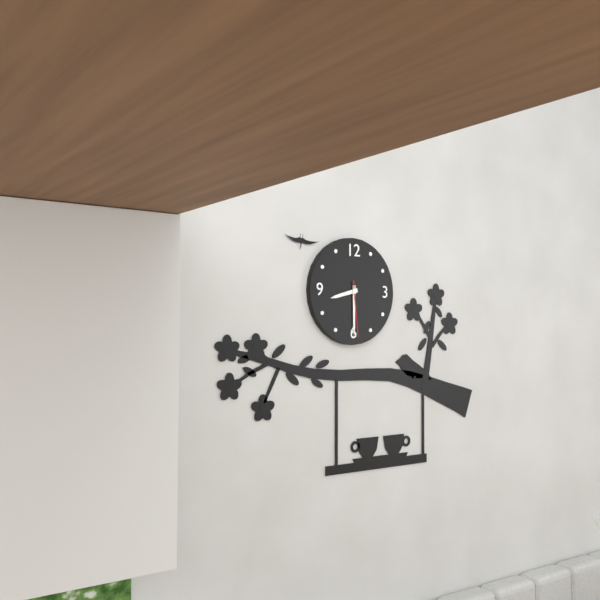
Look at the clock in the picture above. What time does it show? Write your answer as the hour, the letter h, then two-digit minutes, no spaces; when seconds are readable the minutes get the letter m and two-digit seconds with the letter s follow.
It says 8h30m29s
